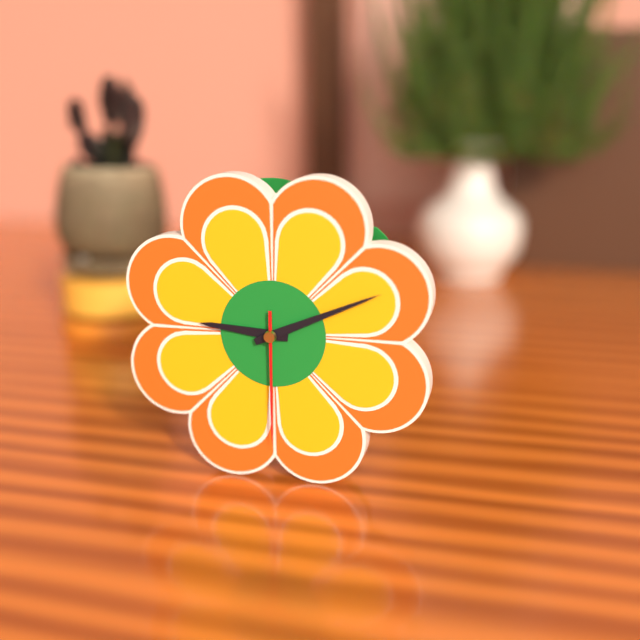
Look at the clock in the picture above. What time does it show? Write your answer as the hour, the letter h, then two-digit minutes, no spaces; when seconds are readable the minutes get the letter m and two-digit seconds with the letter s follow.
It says 9h11m30s
